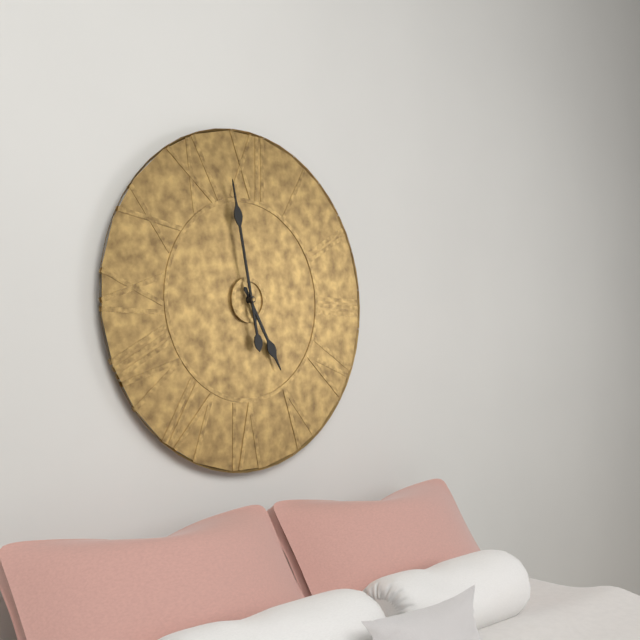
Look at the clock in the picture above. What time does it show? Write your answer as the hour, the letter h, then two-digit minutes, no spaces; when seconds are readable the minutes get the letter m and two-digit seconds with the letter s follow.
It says 4h58
